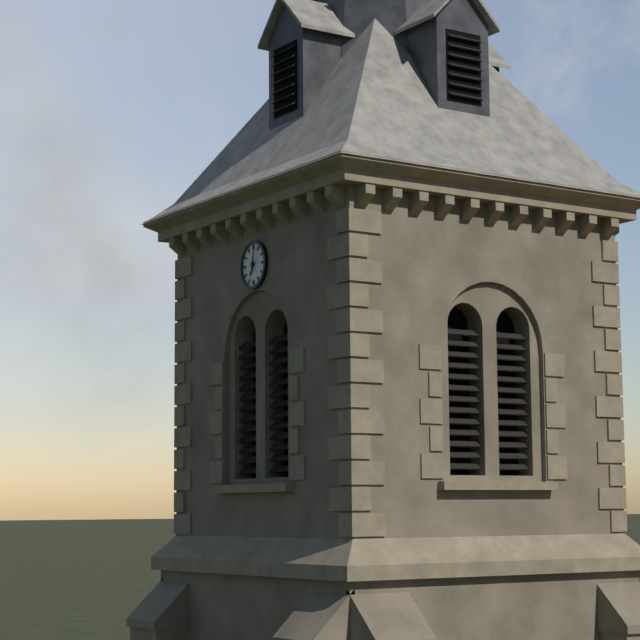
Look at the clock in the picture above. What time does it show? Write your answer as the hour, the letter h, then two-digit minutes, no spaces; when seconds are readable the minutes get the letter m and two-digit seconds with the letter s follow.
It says 7h02
